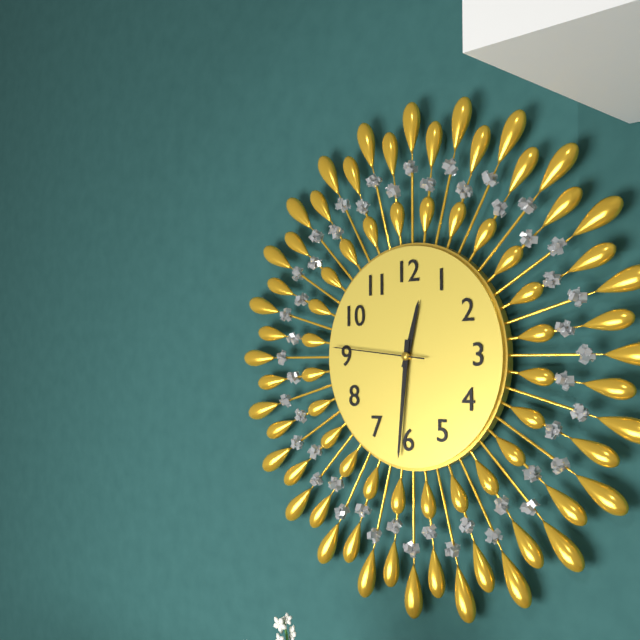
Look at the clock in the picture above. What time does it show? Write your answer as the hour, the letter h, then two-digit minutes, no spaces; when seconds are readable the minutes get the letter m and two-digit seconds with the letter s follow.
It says 12h31m46s
